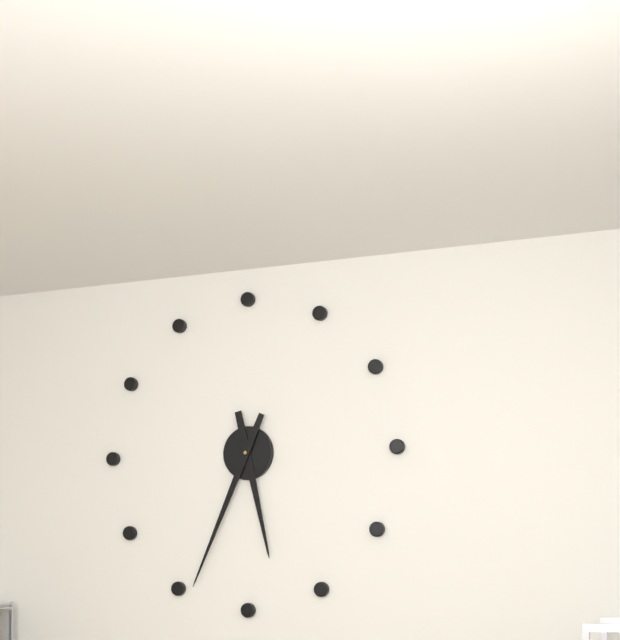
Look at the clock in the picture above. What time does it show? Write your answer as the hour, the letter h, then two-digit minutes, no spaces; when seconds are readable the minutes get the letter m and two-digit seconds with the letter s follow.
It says 5h34
